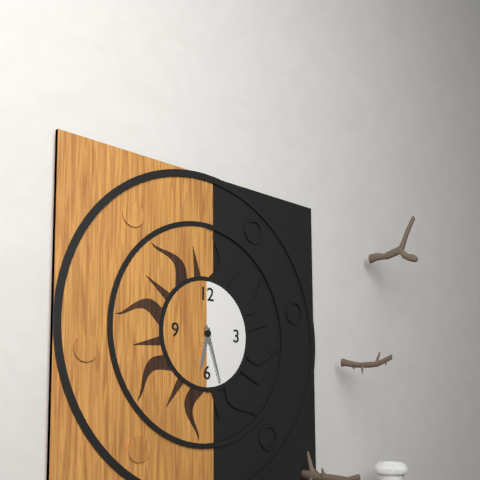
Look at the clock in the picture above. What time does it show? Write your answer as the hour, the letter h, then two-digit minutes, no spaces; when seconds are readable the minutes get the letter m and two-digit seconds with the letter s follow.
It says 6h27
